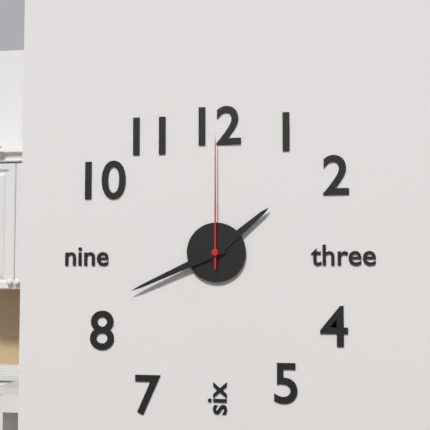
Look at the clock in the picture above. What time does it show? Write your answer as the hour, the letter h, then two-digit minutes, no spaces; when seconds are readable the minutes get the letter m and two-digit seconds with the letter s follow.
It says 1h41m00s
